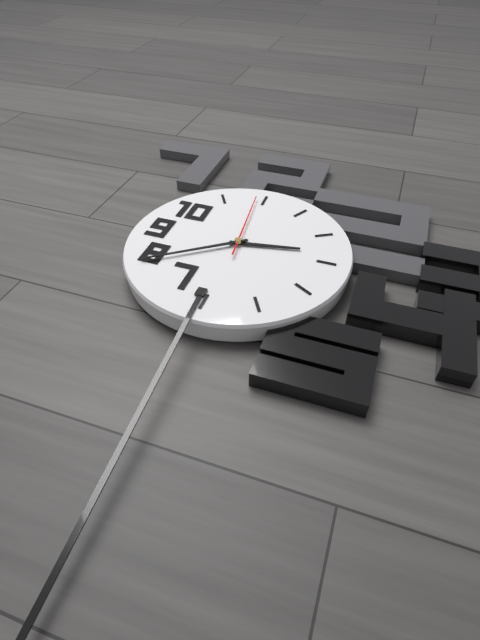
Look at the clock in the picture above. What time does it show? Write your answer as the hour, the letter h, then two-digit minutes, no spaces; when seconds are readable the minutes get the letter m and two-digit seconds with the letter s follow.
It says 2h39m59s
